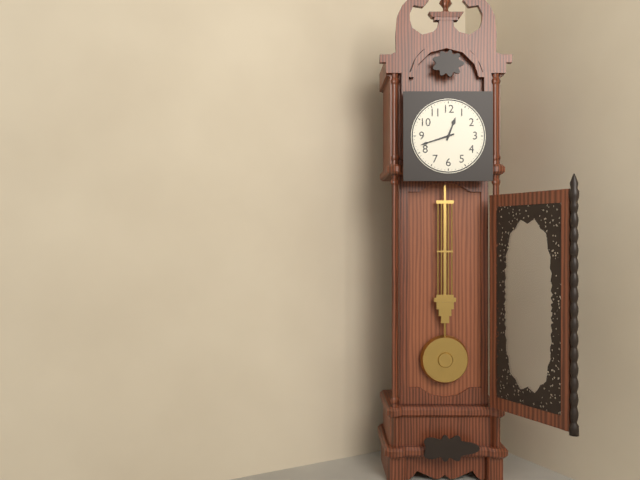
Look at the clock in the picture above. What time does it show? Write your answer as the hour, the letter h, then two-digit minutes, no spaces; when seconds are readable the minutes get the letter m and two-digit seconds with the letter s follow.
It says 12h42
